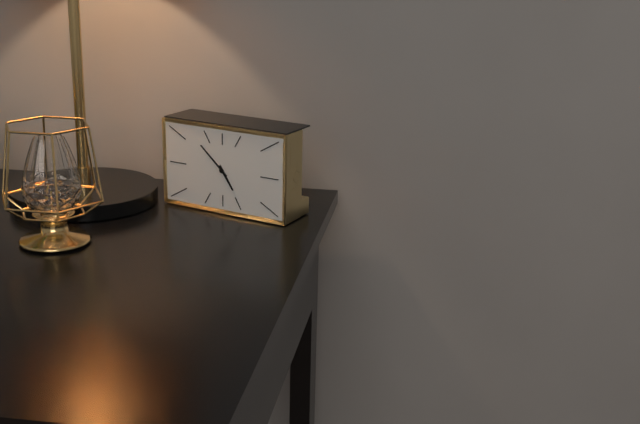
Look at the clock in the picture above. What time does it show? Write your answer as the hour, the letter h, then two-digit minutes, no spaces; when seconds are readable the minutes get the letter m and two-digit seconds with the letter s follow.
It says 4h52
